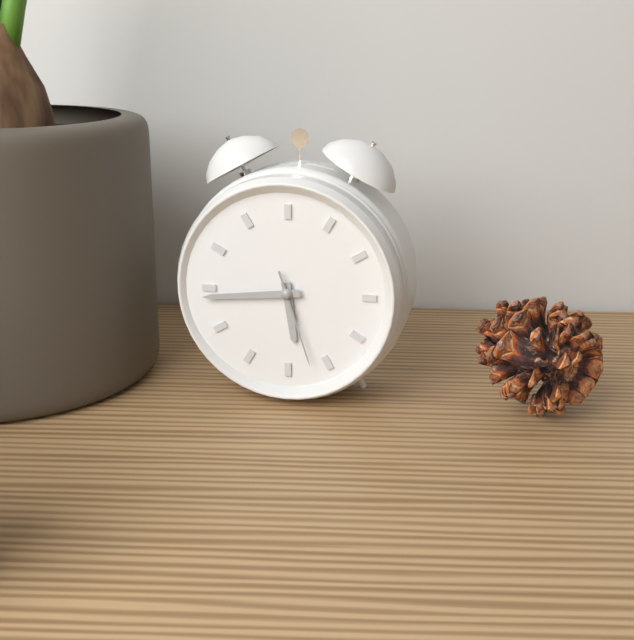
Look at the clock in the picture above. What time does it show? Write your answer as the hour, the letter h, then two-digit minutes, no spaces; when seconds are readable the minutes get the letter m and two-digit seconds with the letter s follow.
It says 5h44m27s
